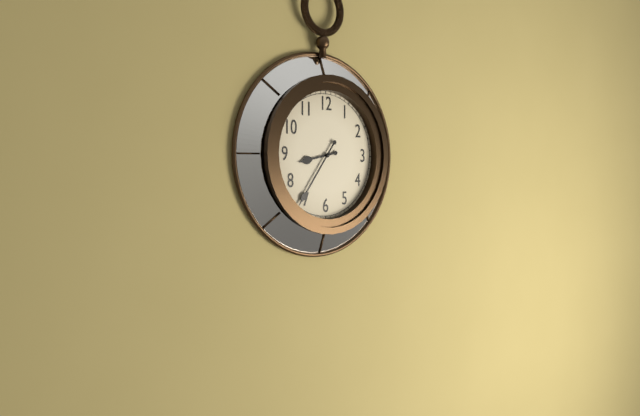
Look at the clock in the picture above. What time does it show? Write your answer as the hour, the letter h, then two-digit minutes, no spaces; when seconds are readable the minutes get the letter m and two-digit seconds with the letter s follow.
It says 8h36
